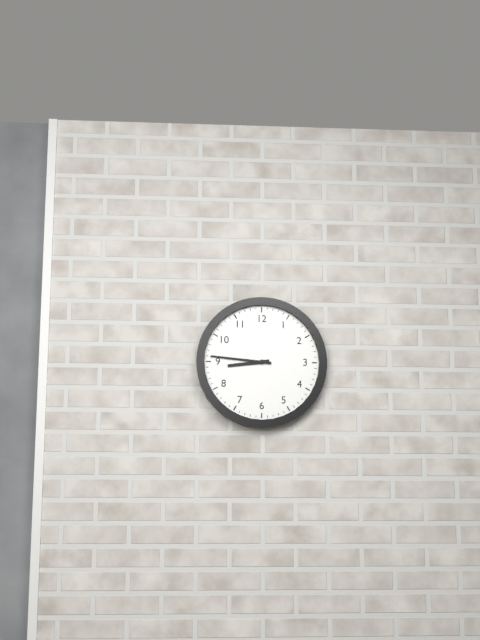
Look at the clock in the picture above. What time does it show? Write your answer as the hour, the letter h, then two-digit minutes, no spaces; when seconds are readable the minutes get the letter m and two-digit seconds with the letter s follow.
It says 8h46
